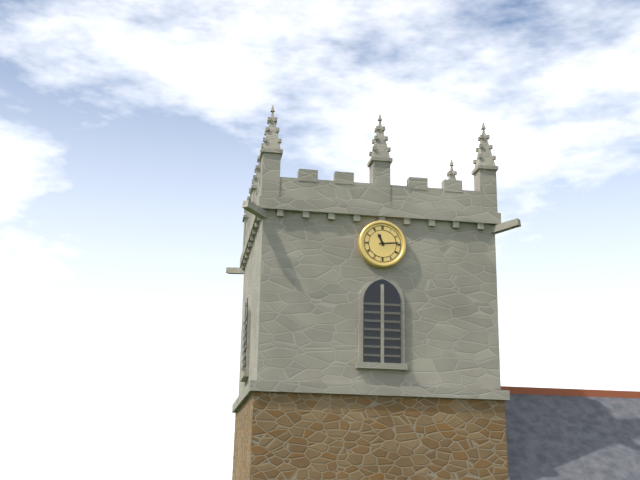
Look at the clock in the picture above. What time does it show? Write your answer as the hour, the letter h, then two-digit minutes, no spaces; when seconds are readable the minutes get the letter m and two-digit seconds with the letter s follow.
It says 11h14
